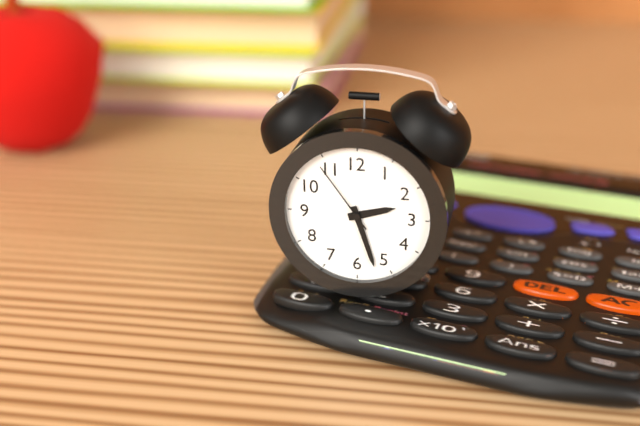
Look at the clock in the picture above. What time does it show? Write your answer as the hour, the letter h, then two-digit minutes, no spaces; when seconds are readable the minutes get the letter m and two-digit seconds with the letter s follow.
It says 2h27m54s
